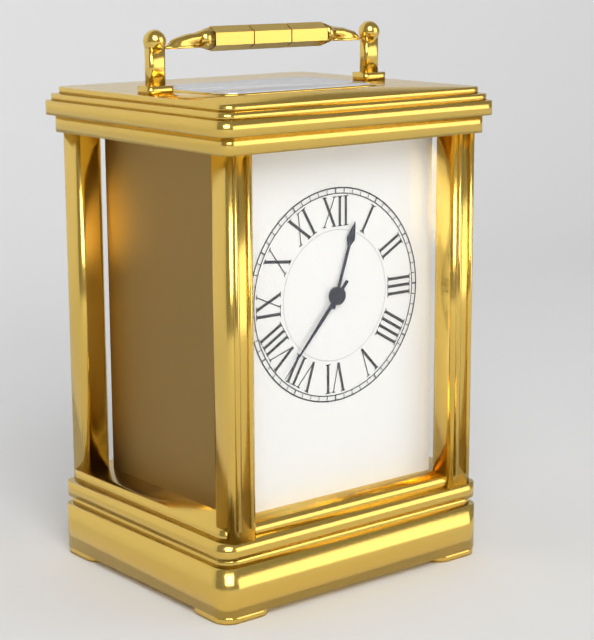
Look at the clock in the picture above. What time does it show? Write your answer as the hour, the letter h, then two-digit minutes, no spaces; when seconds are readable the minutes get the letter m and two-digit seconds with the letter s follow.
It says 12h37
